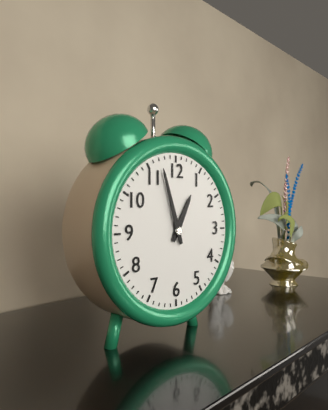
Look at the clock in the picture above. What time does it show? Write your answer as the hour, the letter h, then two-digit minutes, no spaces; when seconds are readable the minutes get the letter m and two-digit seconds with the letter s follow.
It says 12h57
